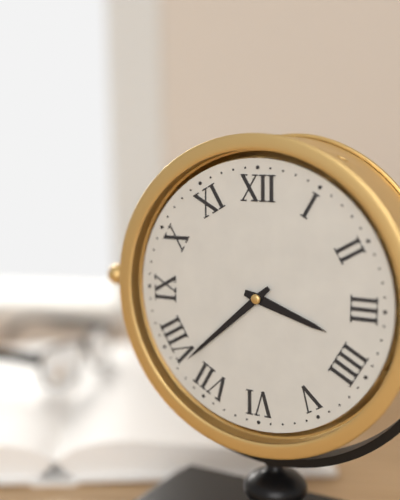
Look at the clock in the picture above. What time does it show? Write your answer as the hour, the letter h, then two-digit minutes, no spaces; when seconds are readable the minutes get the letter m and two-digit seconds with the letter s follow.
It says 3h38
